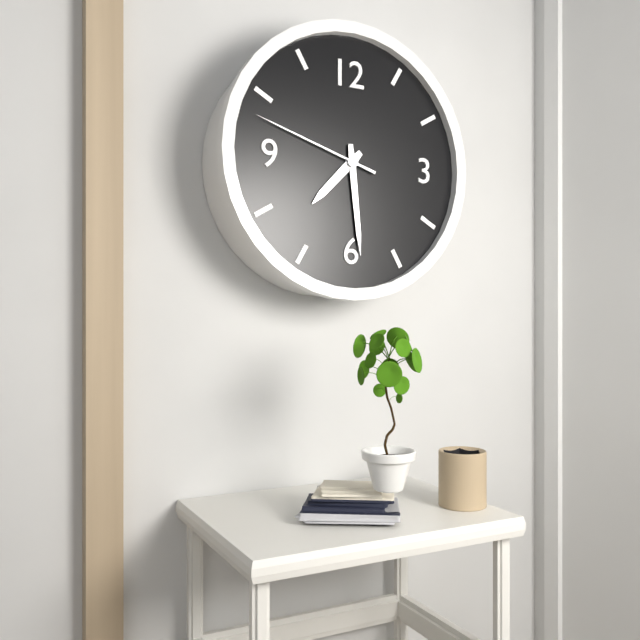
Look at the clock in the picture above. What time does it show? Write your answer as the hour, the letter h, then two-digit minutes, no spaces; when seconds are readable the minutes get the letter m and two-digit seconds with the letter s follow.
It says 7h29m48s
